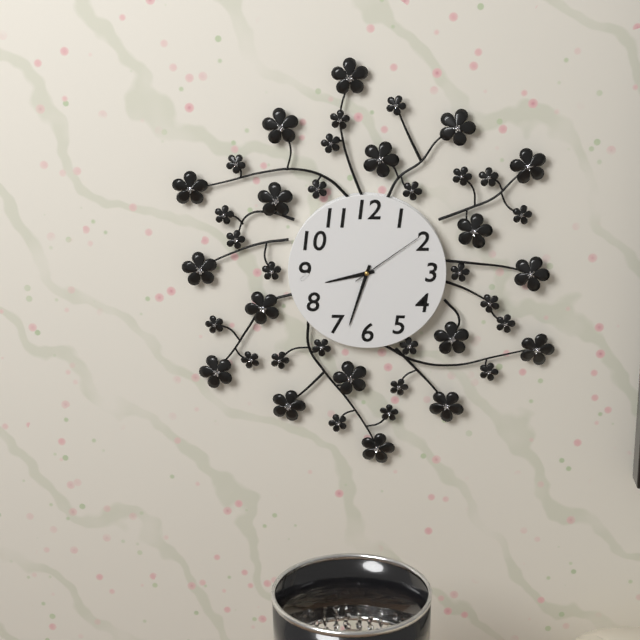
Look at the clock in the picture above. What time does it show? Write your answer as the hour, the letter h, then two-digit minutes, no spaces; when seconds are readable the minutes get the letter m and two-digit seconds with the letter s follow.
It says 8h33m09s
